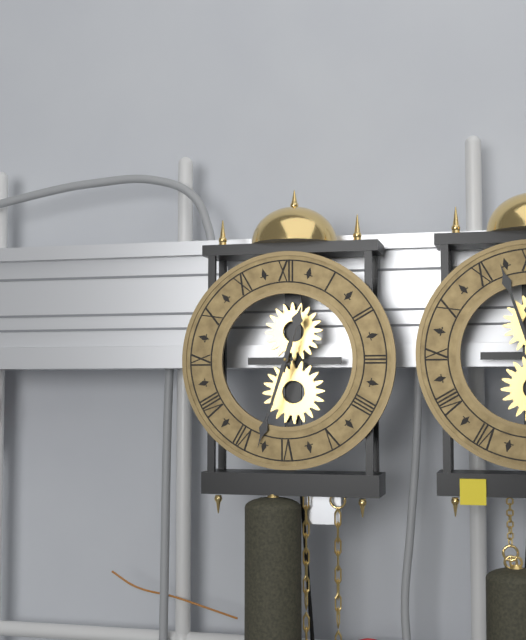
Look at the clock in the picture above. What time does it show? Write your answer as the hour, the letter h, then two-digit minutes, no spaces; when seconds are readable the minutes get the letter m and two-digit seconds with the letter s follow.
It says 12h33
